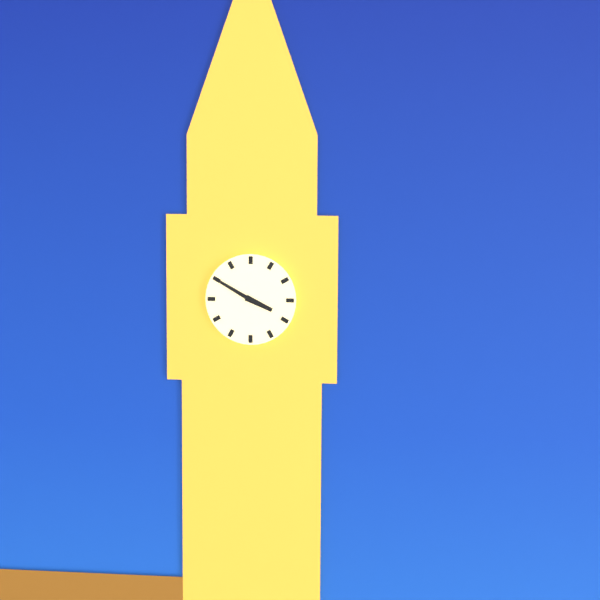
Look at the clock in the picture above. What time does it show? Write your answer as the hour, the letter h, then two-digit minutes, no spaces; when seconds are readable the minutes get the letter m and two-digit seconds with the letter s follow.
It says 3h50
